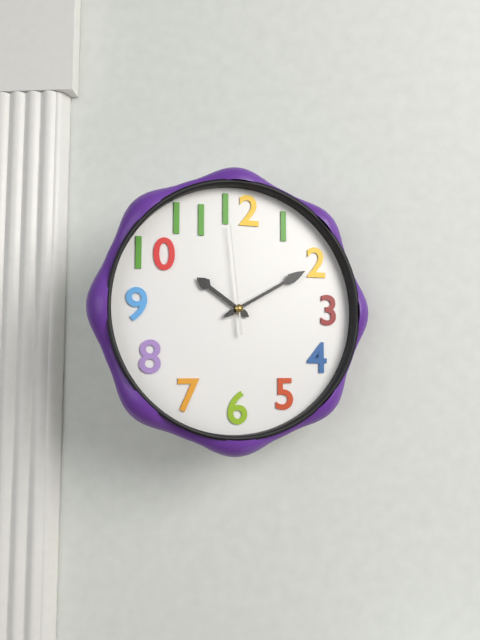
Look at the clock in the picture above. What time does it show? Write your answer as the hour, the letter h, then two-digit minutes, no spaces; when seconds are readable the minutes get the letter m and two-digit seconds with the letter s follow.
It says 10h10m59s
